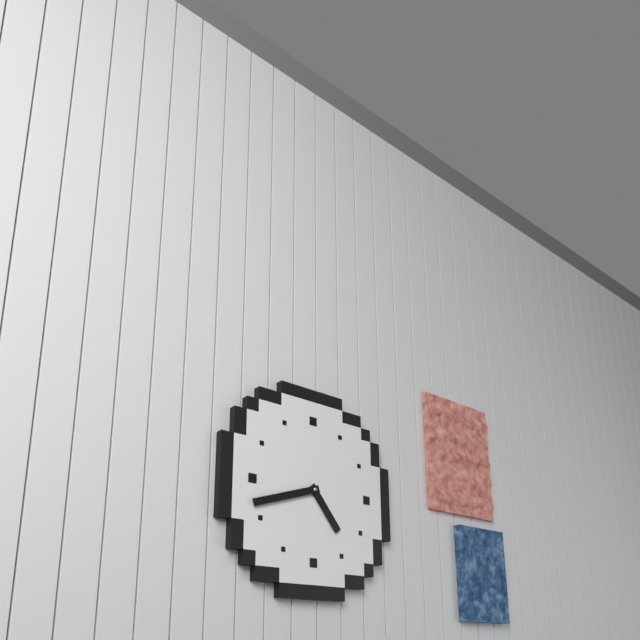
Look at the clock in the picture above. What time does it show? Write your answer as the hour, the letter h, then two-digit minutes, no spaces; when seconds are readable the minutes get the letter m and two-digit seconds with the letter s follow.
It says 4h42
